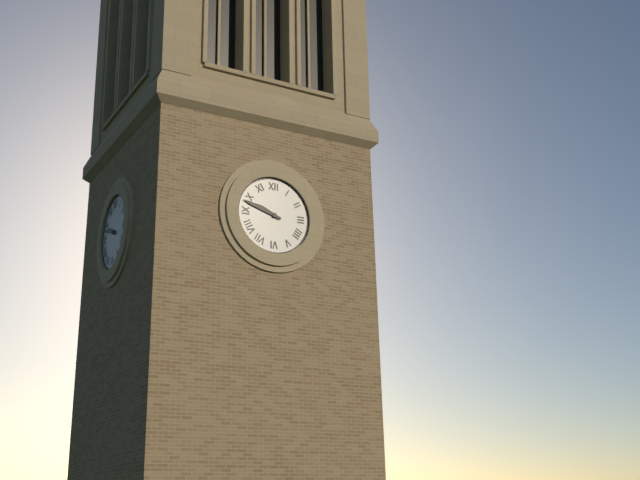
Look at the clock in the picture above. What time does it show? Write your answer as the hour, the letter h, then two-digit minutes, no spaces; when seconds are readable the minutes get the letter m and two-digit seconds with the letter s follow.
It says 9h48
